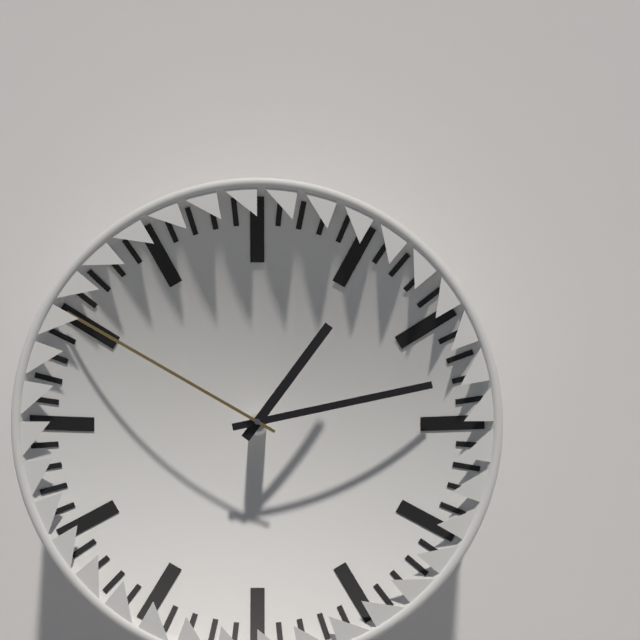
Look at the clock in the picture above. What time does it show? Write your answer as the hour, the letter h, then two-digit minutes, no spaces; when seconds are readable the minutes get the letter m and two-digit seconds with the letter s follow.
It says 1h13m50s
